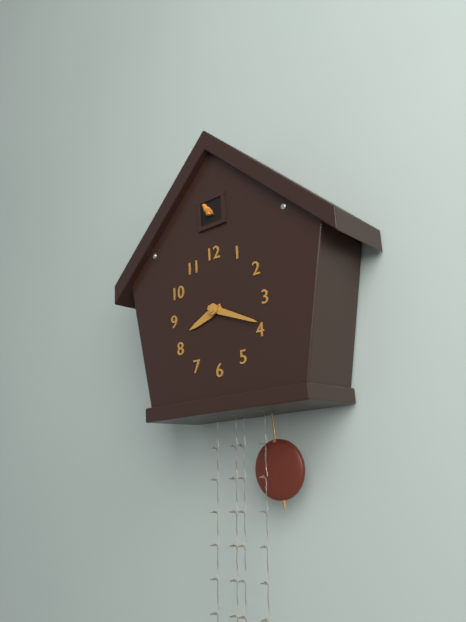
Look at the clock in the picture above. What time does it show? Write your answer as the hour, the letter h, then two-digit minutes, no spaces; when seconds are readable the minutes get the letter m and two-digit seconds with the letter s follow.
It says 8h19
